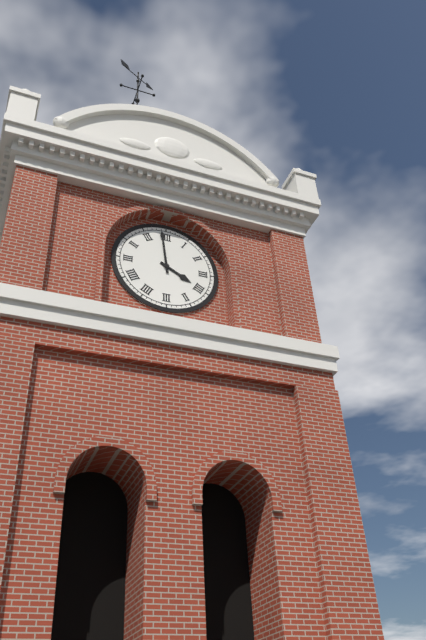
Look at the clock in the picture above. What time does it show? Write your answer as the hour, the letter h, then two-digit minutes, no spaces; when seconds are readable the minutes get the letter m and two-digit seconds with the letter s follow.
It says 3h59
